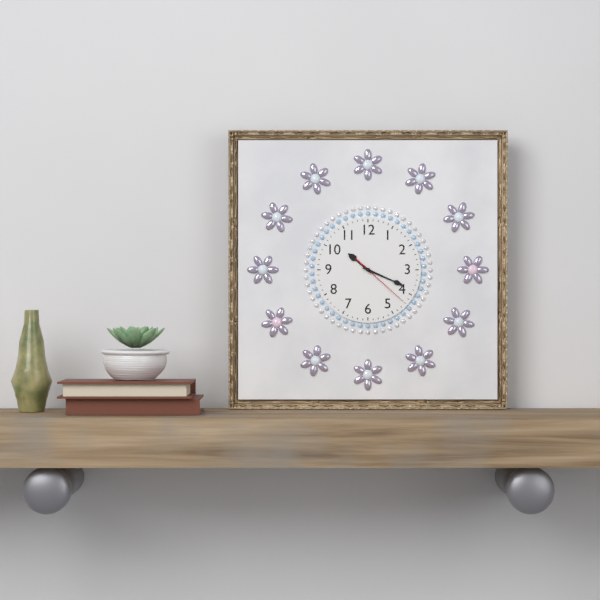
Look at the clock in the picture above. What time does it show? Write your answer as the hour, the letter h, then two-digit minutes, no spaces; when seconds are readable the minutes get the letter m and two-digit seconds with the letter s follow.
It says 10h19m22s
